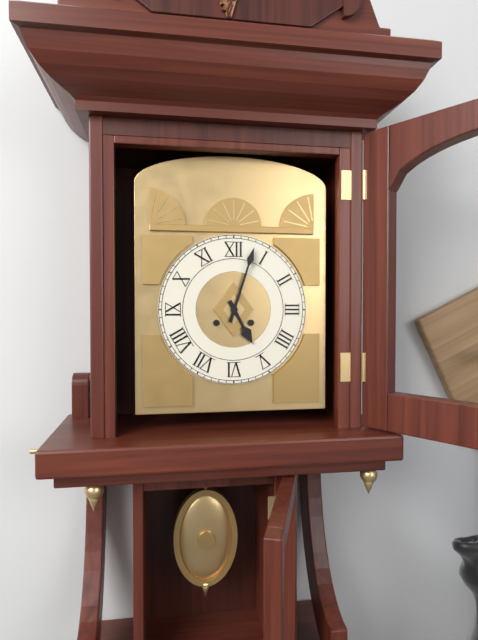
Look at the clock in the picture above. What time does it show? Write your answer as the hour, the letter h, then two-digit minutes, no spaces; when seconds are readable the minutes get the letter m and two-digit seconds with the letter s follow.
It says 5h03
